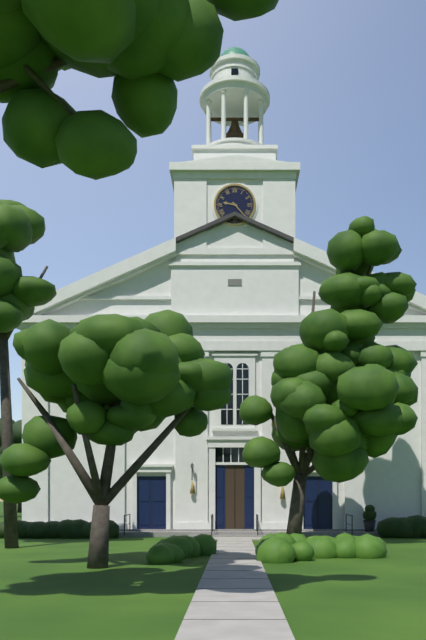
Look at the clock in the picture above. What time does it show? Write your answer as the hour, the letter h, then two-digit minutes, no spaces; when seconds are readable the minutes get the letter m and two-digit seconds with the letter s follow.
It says 9h23
